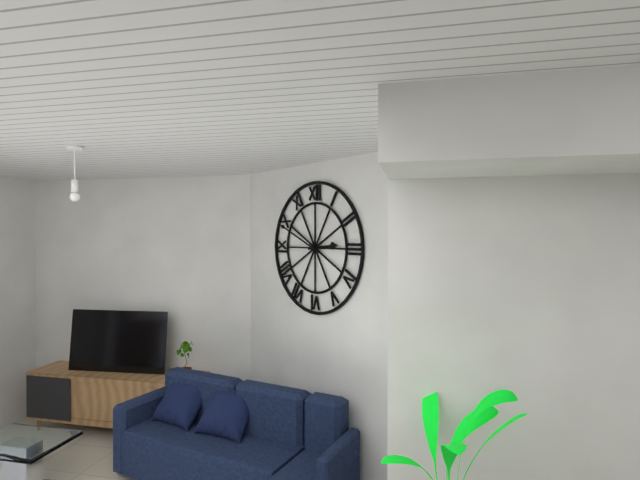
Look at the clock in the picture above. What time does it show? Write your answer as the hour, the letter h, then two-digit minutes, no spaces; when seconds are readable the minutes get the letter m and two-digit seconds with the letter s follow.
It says 2h49
